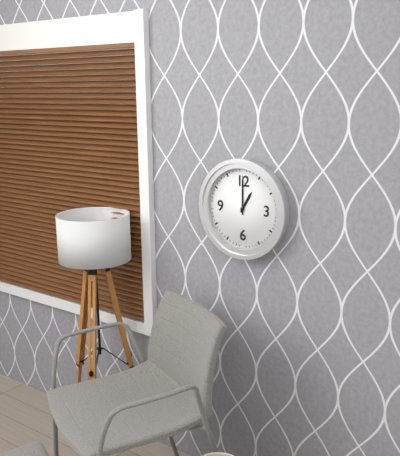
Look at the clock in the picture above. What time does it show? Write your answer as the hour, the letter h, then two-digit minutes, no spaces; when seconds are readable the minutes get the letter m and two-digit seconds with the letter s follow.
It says 1h00
